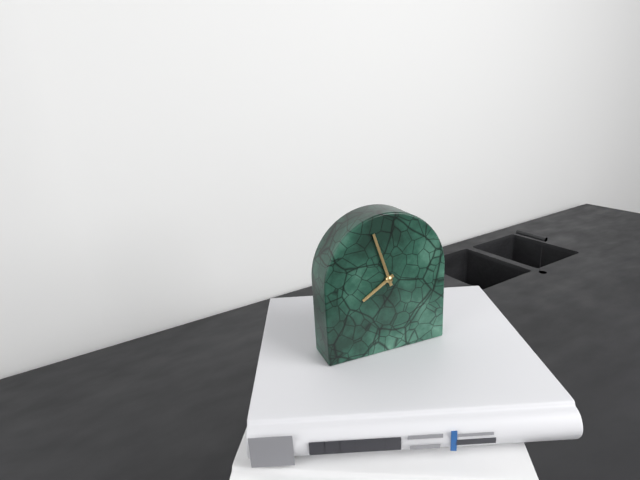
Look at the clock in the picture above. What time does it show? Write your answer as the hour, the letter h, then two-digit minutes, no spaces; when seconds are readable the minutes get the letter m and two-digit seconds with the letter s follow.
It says 7h57
